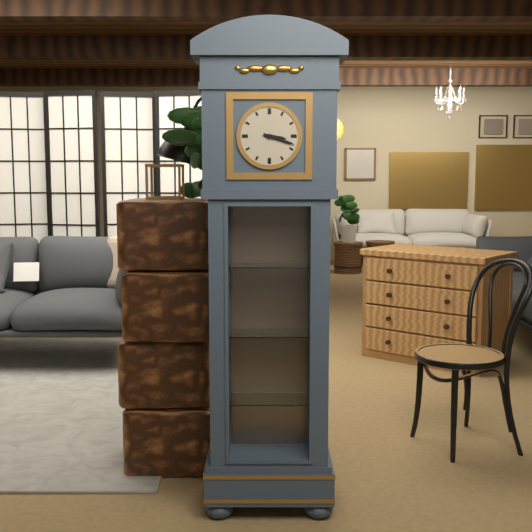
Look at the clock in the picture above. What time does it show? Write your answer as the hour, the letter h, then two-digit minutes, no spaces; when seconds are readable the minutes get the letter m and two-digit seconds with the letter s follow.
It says 3h18
